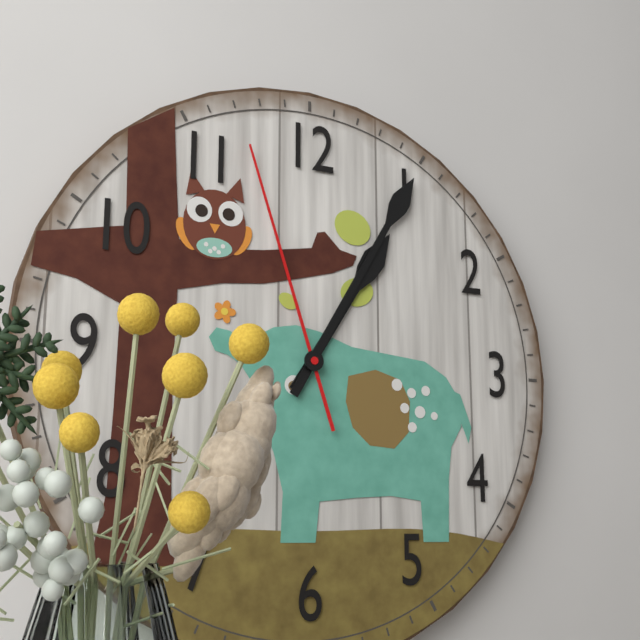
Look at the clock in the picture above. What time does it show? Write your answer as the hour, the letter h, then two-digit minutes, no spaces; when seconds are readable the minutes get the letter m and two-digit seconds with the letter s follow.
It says 1h05m57s
